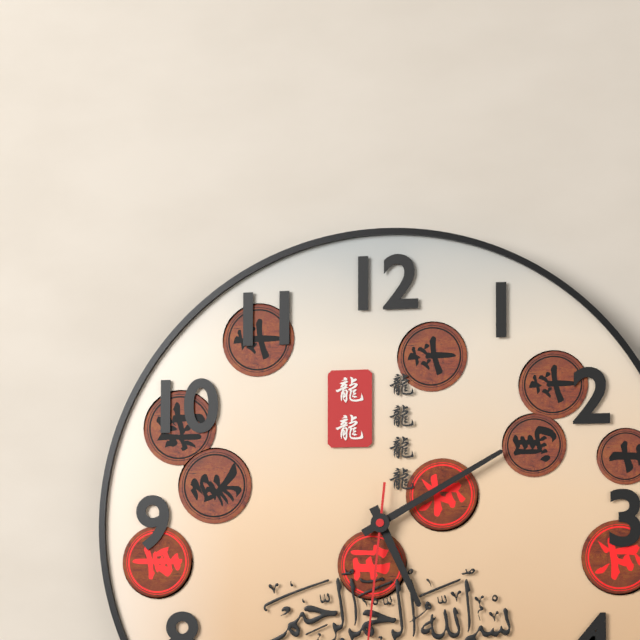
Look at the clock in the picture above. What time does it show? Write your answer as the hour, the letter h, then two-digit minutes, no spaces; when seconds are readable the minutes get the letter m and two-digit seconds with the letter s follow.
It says 5h10
